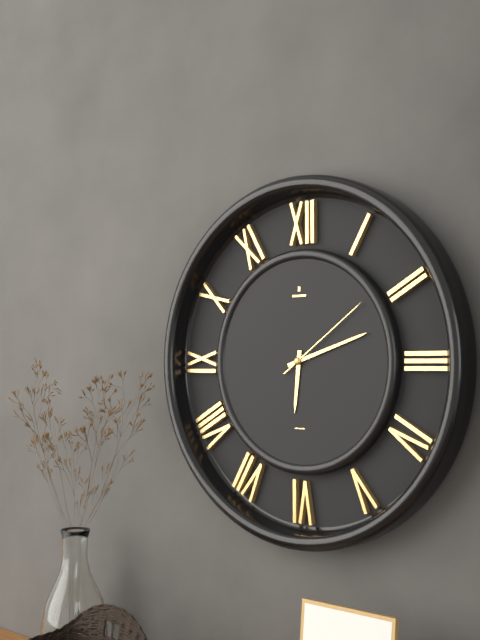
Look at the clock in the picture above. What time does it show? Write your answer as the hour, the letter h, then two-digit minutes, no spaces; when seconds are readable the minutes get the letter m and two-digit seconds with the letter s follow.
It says 6h12m09s
